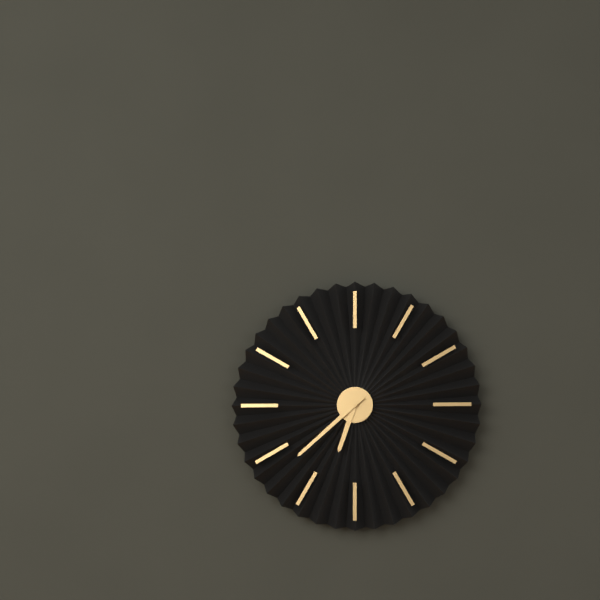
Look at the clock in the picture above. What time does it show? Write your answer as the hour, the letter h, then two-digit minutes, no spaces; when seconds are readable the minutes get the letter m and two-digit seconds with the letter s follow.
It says 6h38
